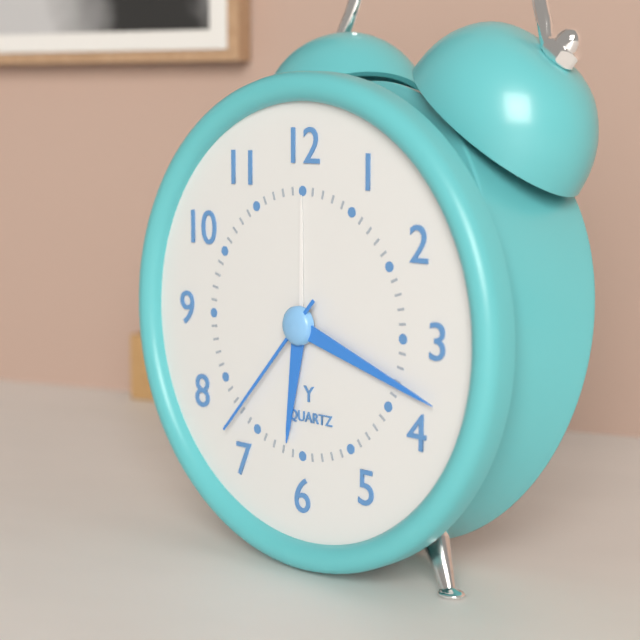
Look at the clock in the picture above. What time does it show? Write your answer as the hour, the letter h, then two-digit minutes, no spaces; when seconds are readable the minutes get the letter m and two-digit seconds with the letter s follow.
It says 6h18m37s
